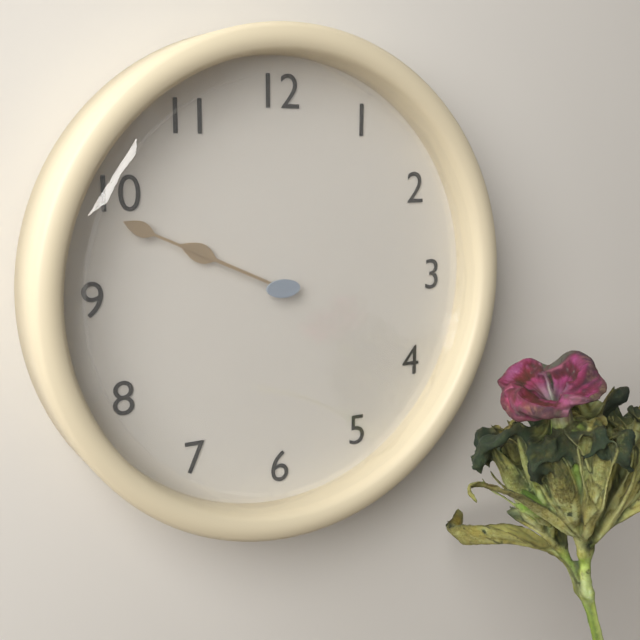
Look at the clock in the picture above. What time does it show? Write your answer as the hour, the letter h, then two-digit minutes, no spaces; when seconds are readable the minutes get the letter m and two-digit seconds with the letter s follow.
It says 9h49
